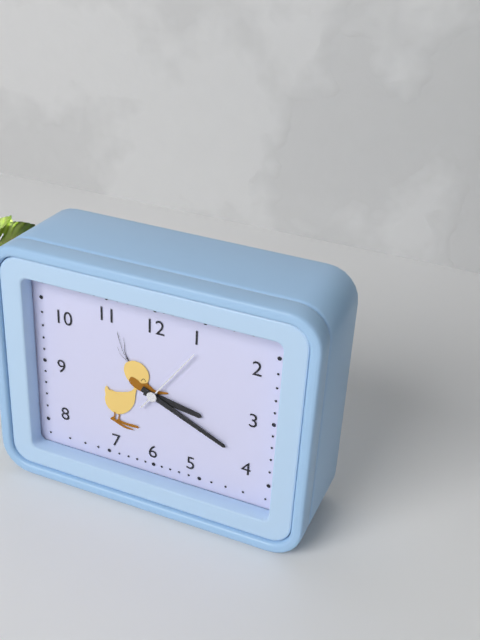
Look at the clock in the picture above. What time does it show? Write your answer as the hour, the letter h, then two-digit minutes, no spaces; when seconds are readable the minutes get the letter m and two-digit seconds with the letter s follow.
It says 3h19m06s
